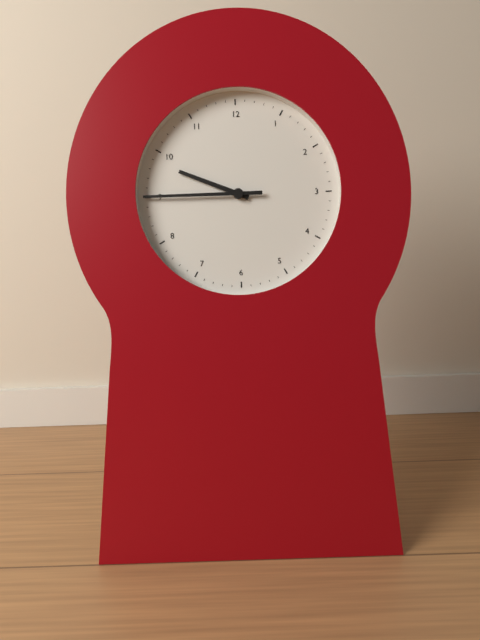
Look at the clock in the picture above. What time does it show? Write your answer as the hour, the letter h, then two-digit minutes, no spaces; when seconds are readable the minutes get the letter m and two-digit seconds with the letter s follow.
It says 9h45
